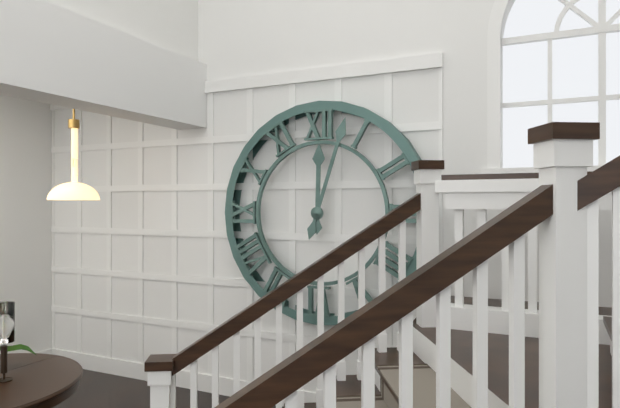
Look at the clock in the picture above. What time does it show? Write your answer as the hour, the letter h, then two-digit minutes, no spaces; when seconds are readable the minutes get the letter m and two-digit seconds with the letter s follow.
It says 12h03
